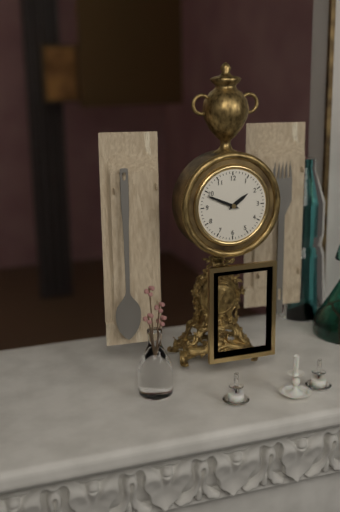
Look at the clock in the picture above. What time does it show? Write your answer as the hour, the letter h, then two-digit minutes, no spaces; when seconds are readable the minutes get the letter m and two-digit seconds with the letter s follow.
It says 1h49
